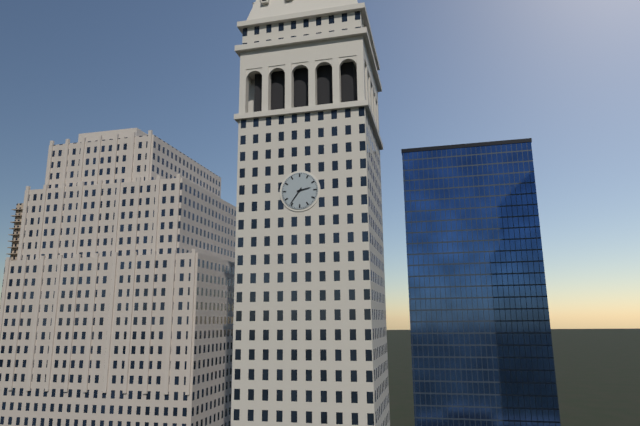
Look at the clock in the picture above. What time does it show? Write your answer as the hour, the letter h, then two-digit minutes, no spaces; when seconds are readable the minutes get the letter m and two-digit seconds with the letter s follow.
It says 2h36
